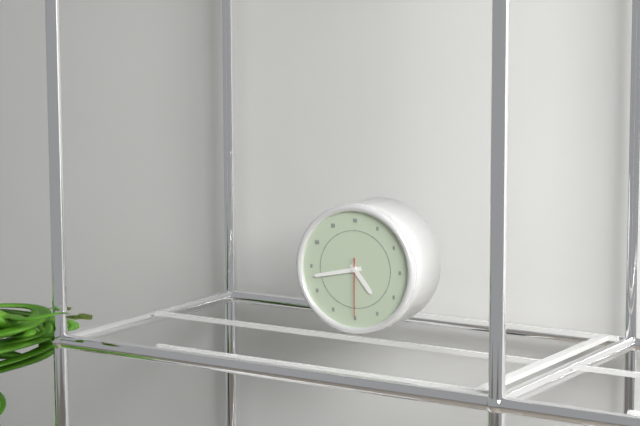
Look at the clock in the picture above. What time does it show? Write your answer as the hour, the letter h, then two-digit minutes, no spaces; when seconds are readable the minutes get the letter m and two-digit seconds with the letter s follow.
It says 4h43m30s
